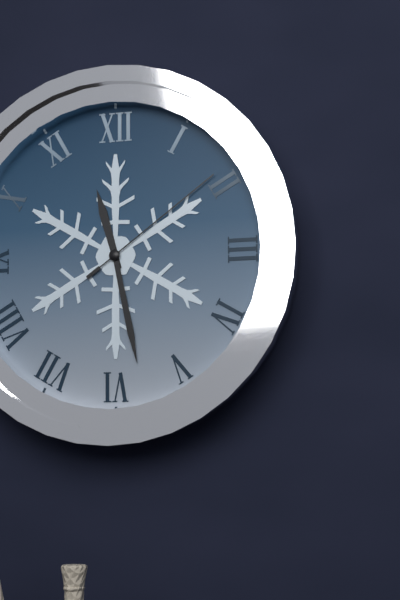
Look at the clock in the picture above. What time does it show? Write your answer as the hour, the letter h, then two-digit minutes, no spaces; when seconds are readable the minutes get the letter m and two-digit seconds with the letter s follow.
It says 11h28m09s
